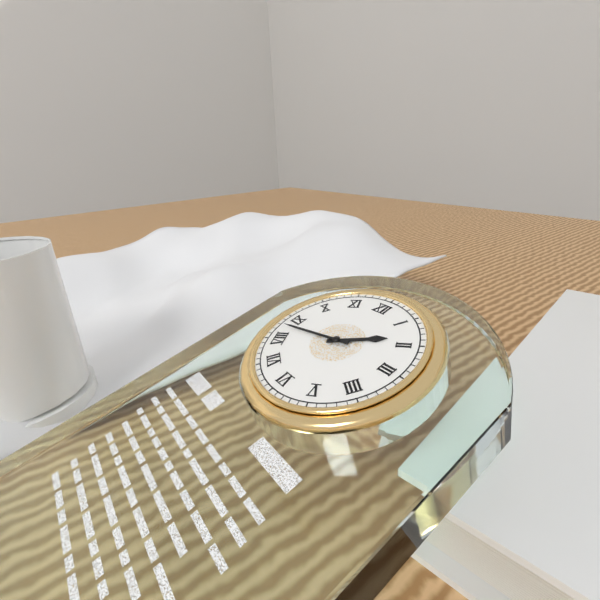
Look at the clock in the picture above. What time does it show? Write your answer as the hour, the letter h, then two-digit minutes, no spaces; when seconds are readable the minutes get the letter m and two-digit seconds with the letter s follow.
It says 1h43
